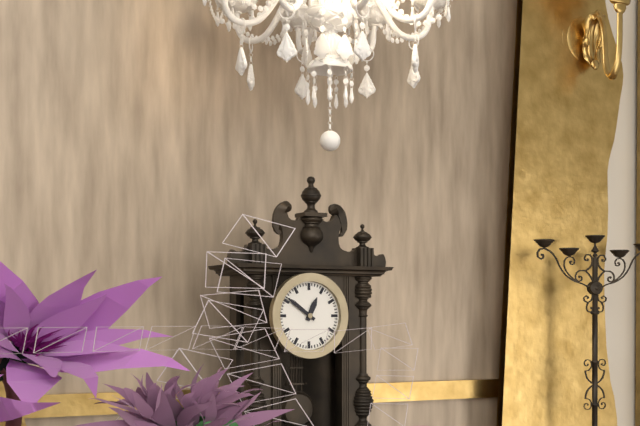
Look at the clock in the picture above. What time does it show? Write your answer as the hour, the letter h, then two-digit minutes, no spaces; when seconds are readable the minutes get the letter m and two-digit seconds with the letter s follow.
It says 12h51
